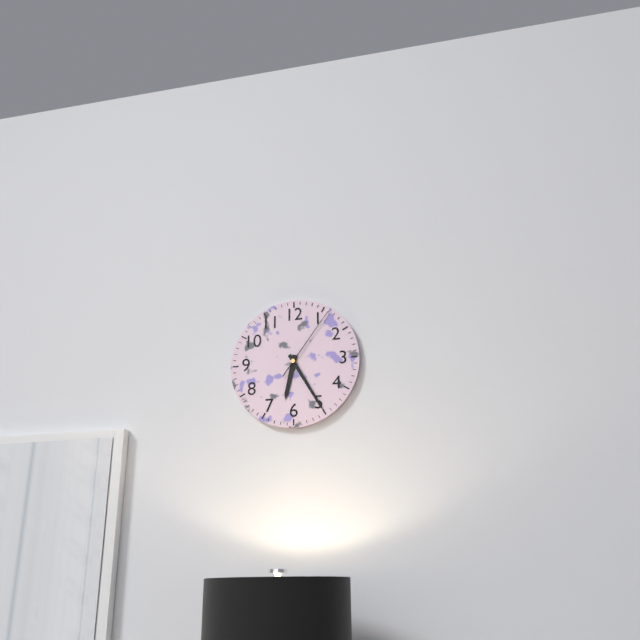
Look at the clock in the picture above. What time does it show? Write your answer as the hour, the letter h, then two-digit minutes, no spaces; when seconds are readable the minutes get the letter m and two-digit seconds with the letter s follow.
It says 6h25m06s
